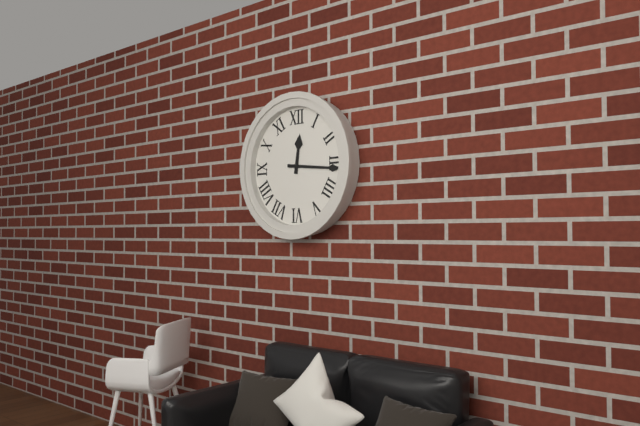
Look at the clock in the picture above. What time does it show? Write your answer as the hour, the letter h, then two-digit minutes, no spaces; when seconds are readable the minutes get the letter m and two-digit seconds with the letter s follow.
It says 12h16
